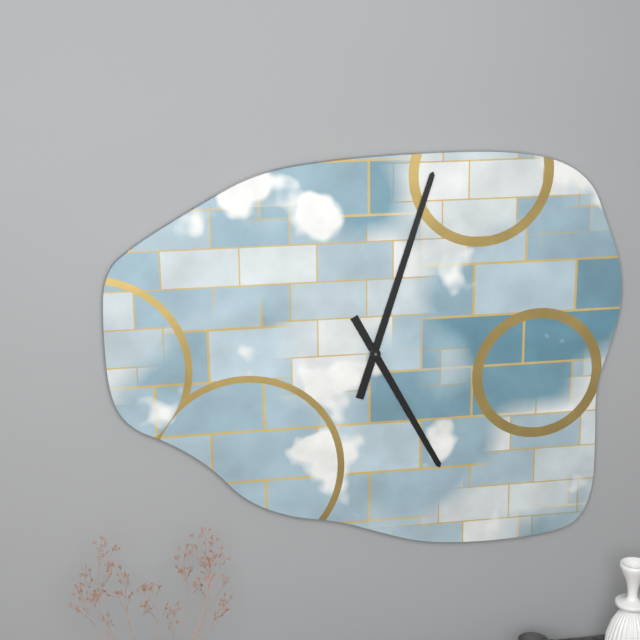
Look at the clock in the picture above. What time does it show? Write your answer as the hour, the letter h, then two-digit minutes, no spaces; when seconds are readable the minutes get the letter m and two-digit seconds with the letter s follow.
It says 5h03
